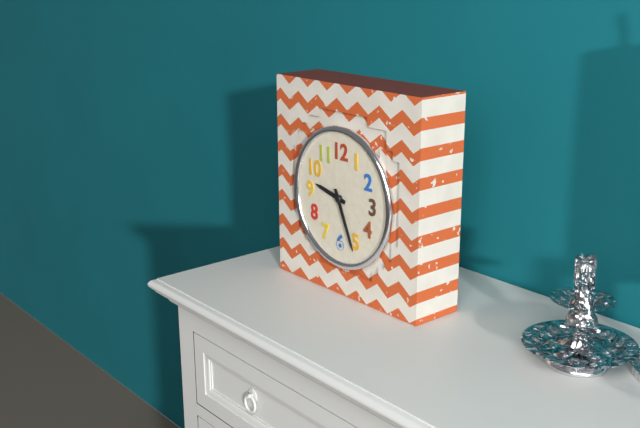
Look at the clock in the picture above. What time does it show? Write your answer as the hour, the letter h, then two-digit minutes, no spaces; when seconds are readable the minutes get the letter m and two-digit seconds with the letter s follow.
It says 9h26
